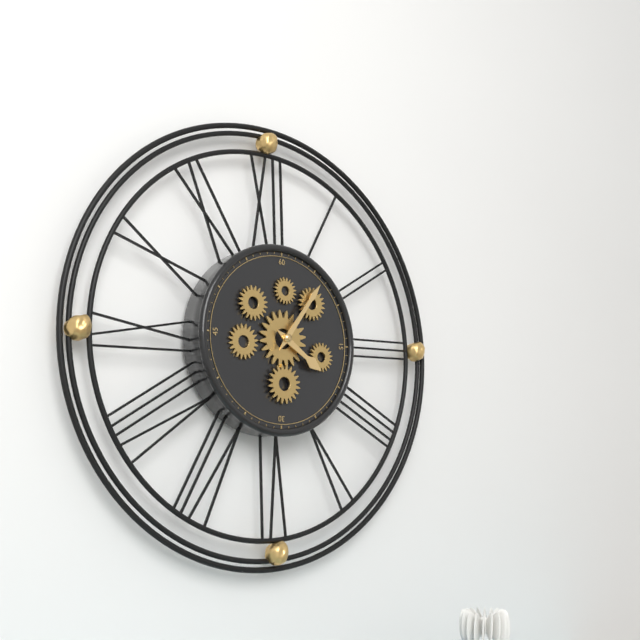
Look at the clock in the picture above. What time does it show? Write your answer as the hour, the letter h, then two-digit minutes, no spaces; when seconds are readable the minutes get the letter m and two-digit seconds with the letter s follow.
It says 4h06
